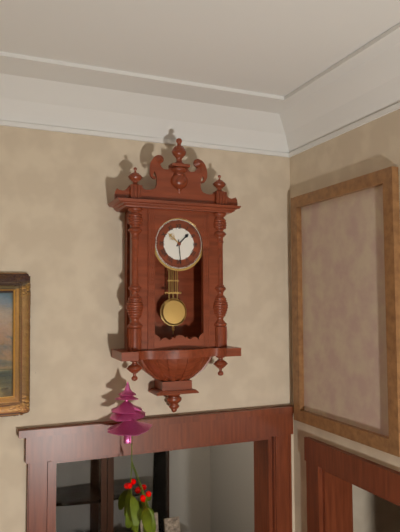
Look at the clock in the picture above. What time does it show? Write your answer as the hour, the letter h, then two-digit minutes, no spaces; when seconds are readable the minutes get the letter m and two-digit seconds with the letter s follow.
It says 1h29
